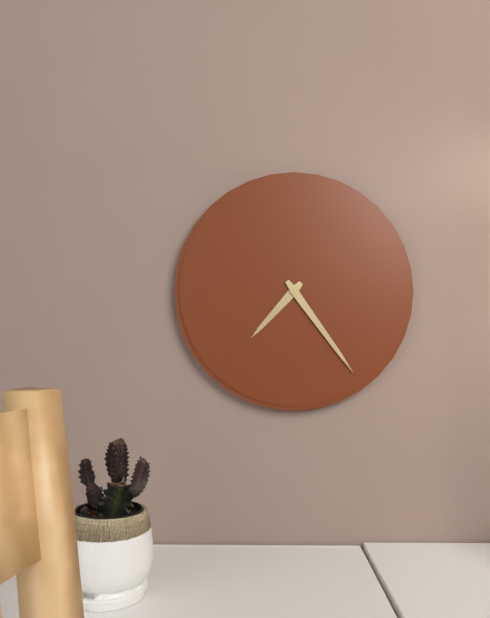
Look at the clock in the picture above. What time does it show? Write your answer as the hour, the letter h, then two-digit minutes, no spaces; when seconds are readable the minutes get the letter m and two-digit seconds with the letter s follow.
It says 7h24
